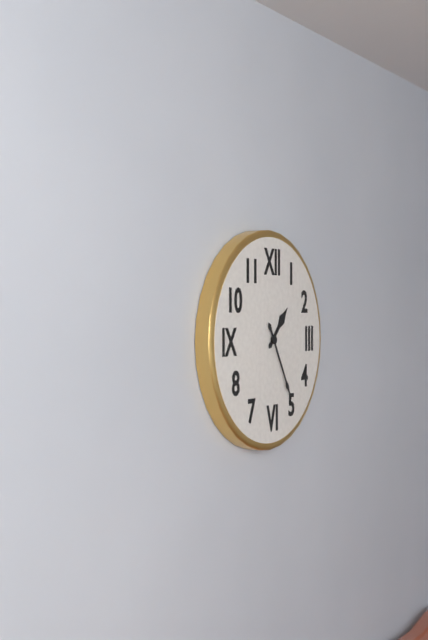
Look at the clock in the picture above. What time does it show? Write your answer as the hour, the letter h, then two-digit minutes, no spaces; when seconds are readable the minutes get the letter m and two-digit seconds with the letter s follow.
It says 1h25
